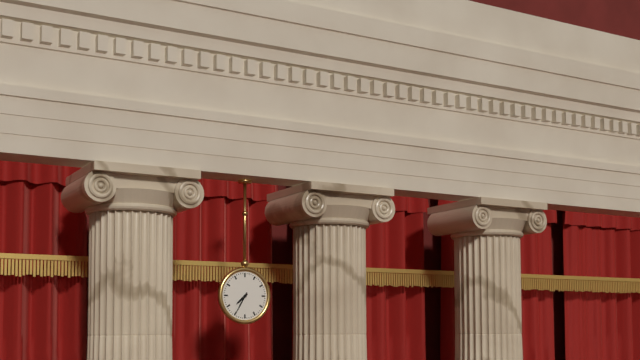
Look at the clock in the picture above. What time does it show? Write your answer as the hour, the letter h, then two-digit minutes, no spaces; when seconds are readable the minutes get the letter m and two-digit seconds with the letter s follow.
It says 7h35
